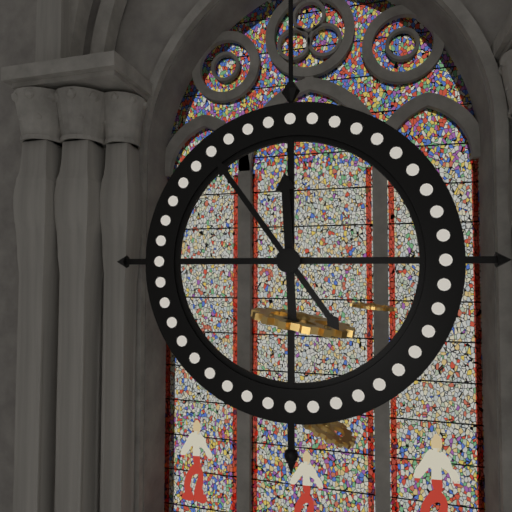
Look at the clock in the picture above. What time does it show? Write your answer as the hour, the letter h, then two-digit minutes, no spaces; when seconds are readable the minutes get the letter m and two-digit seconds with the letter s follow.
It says 11h54
